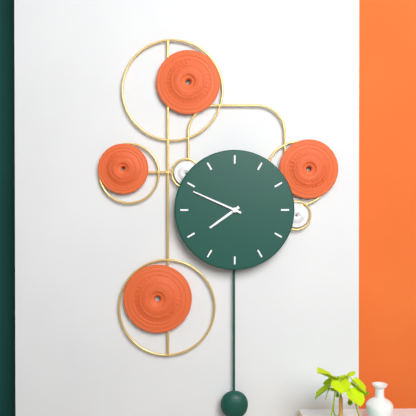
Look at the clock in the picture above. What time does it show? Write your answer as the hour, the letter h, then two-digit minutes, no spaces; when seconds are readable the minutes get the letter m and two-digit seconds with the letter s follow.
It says 7h49
